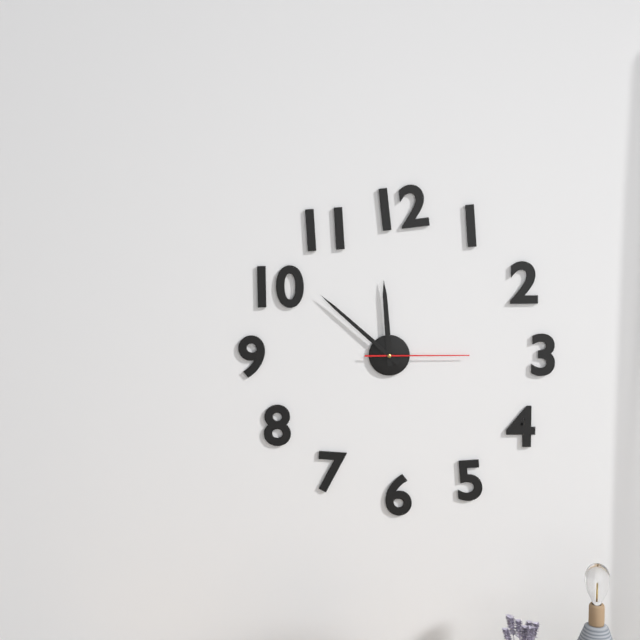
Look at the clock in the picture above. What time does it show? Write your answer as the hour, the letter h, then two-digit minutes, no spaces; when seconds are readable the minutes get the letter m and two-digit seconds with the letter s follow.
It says 11h52m15s
